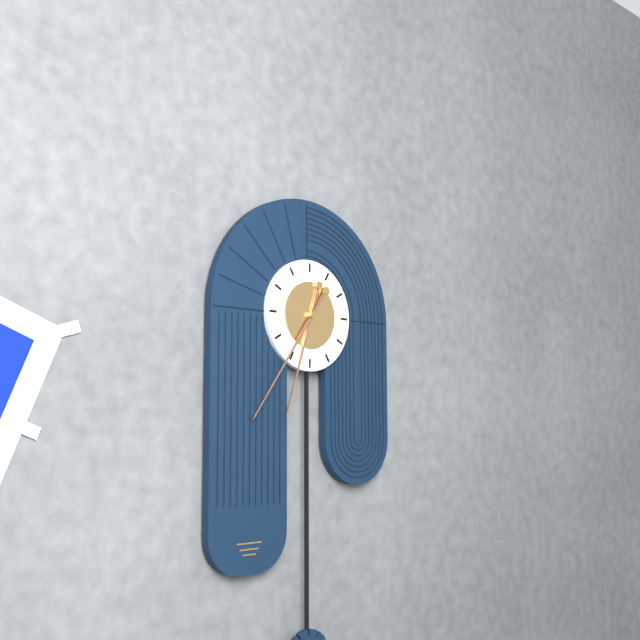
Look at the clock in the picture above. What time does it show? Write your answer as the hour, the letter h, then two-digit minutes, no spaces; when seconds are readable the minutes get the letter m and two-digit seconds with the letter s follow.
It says 6h36
